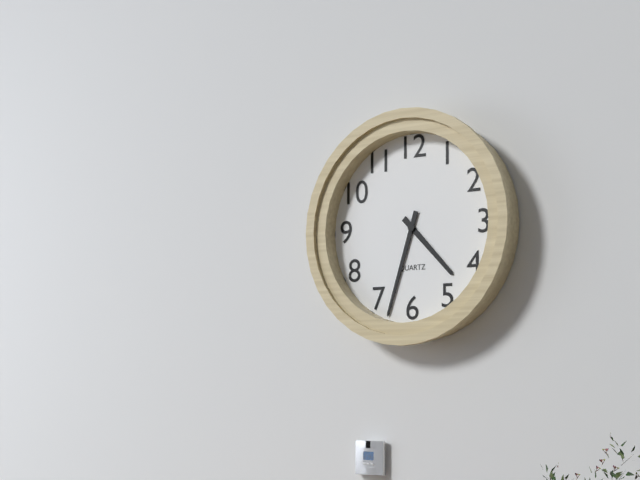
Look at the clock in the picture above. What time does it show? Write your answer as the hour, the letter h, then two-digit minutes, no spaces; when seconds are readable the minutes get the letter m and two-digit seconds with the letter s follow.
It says 4h33
